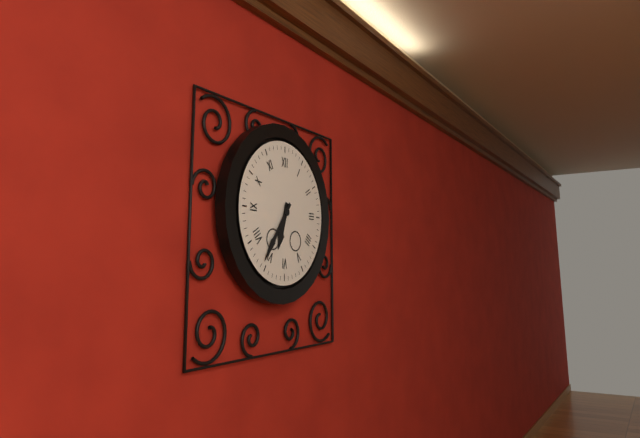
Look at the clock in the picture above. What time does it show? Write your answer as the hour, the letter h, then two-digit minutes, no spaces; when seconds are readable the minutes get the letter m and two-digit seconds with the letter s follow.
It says 6h36
